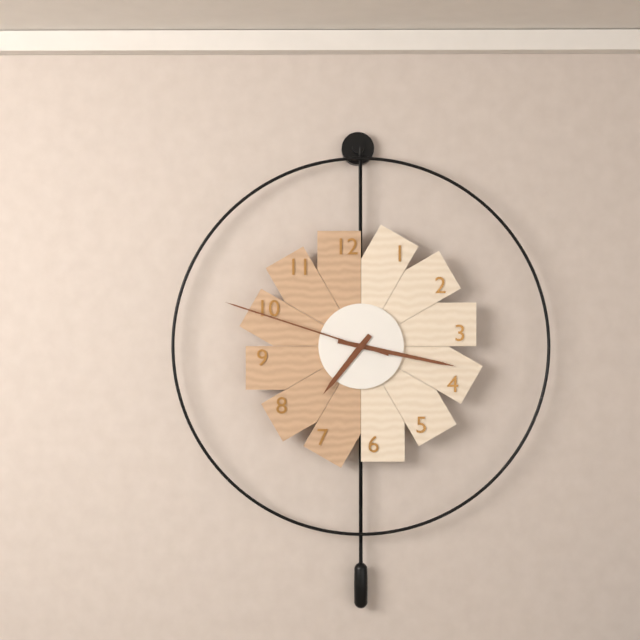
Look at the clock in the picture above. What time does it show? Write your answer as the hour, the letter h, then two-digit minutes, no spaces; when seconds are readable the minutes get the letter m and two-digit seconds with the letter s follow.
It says 7h17m48s
